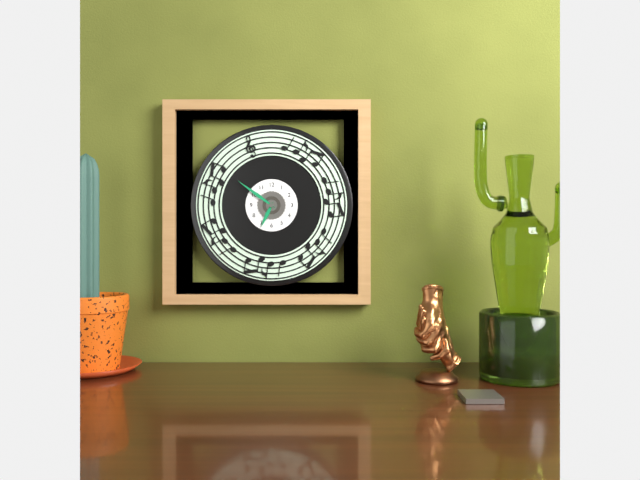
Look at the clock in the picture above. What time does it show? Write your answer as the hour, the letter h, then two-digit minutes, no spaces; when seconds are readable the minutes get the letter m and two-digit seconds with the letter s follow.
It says 6h51
